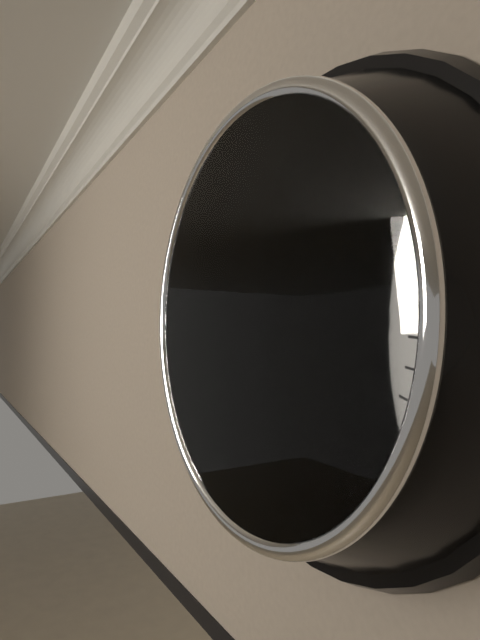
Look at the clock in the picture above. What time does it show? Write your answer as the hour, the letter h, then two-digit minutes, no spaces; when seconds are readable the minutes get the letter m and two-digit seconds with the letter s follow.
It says 10h30
